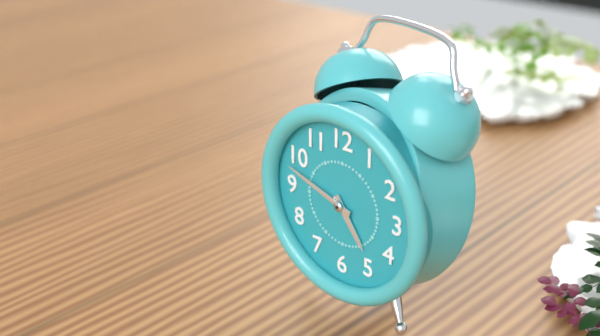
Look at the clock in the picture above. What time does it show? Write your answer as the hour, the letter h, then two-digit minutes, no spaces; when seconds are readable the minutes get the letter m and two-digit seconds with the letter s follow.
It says 4h48
